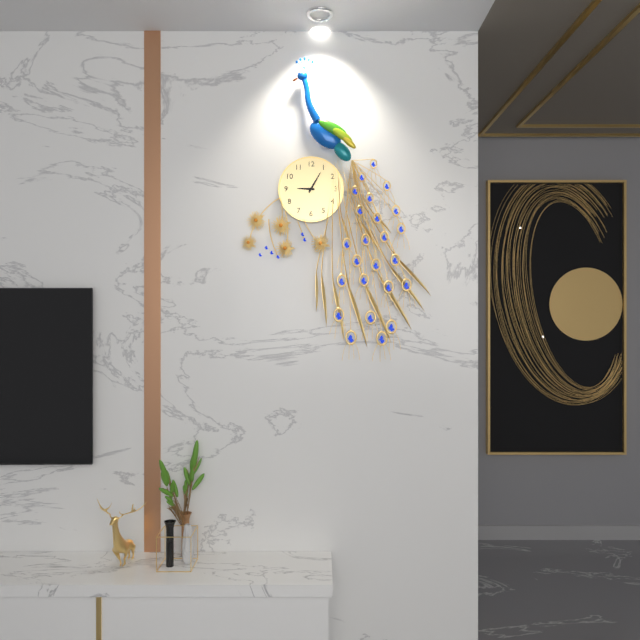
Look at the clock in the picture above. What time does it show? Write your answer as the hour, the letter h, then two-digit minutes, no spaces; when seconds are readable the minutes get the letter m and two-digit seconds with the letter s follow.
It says 9h05
